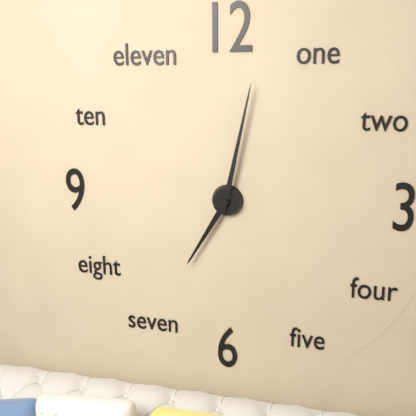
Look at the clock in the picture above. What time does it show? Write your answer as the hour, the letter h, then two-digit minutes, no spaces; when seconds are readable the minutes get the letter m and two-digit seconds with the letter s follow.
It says 7h02
